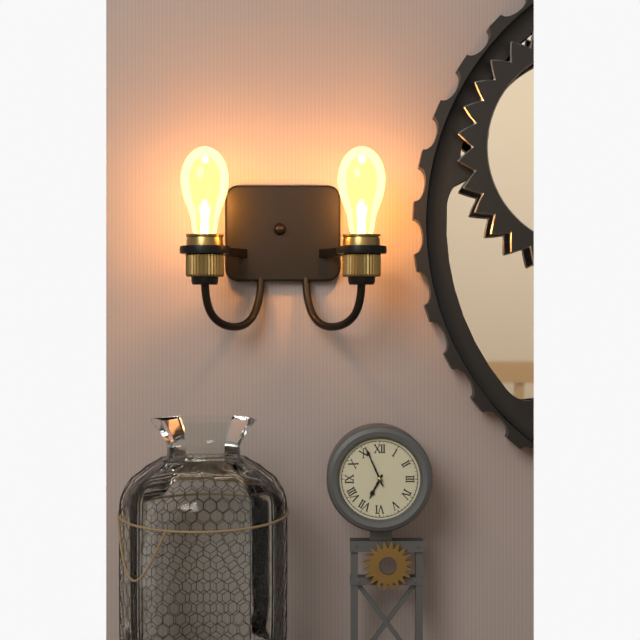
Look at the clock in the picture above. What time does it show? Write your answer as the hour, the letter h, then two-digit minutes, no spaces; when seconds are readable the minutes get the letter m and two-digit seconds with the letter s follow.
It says 6h56
